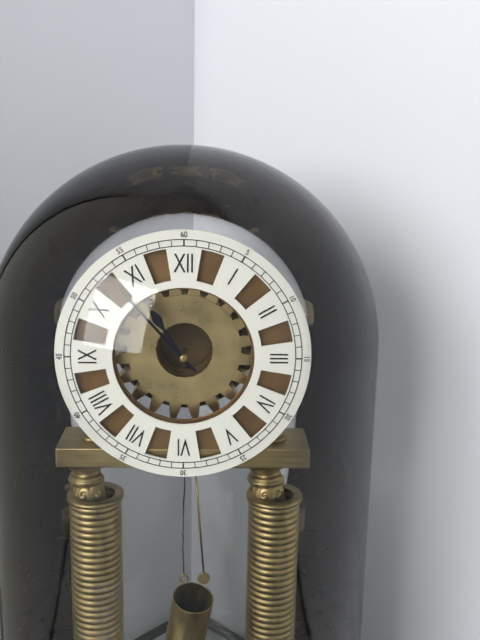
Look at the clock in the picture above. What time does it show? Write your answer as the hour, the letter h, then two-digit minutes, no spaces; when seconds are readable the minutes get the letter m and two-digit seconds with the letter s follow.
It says 10h53
